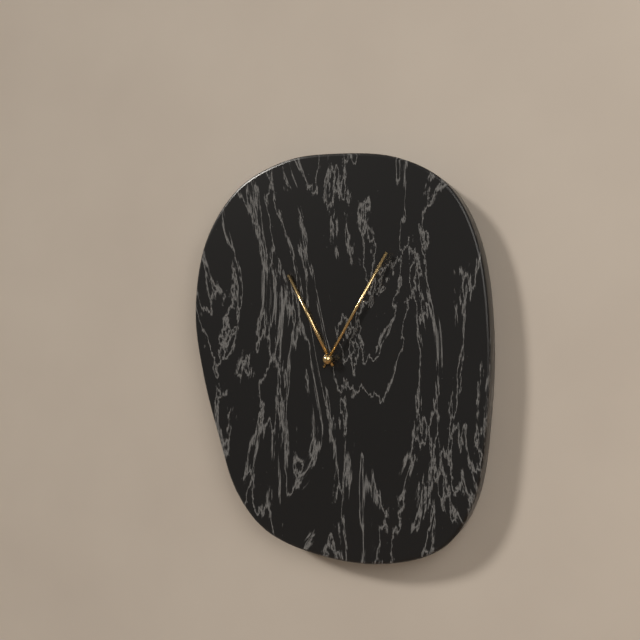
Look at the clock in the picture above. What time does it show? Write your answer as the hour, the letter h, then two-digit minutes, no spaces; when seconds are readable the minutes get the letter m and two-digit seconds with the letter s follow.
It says 11h05
